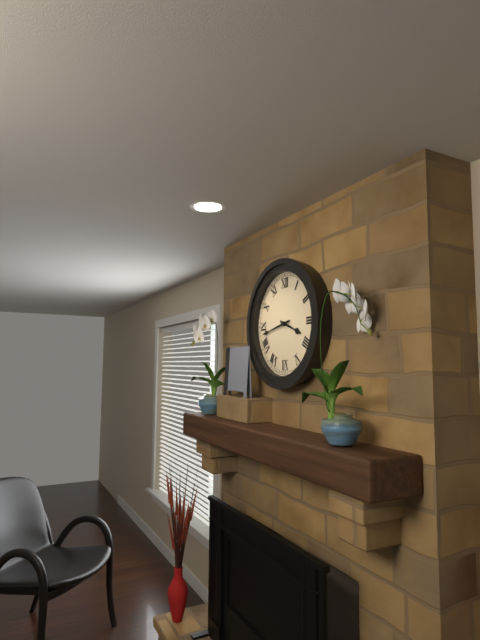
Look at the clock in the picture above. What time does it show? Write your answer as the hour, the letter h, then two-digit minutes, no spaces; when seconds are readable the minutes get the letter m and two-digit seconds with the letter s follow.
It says 3h43
